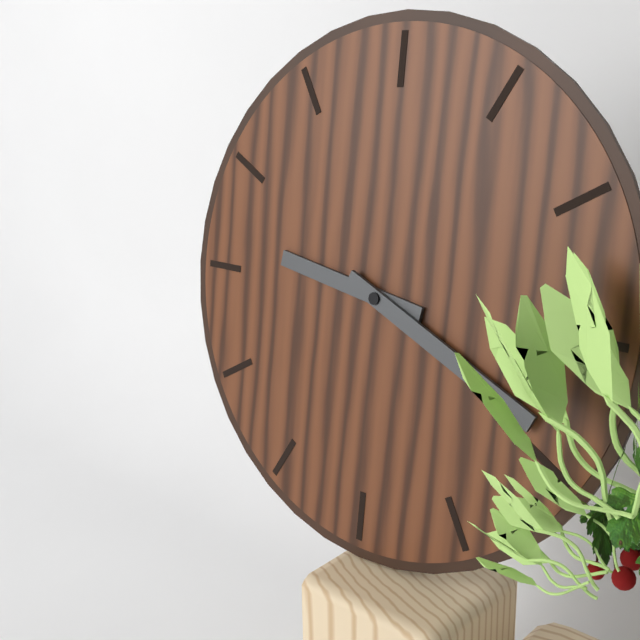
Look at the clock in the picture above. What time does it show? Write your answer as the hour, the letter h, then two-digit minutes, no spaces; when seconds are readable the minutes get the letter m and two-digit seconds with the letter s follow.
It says 9h19
